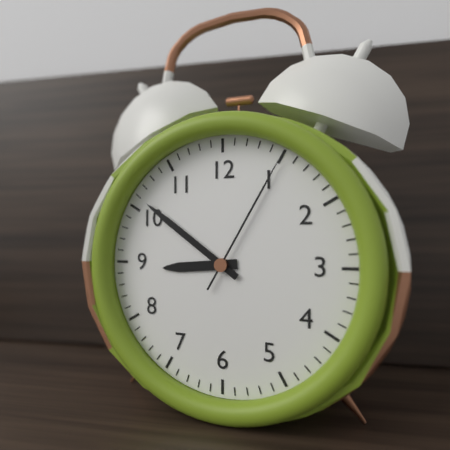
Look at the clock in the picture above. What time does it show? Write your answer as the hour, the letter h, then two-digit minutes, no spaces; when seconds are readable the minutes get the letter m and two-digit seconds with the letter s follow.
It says 8h51m05s
